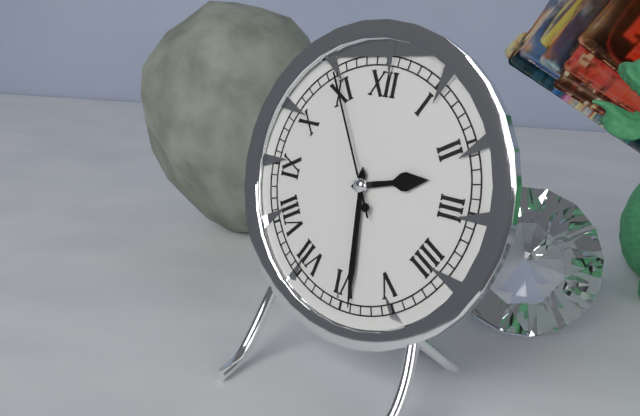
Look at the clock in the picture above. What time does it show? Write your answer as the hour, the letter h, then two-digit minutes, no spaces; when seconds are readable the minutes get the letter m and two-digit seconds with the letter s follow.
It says 2h29m55s
